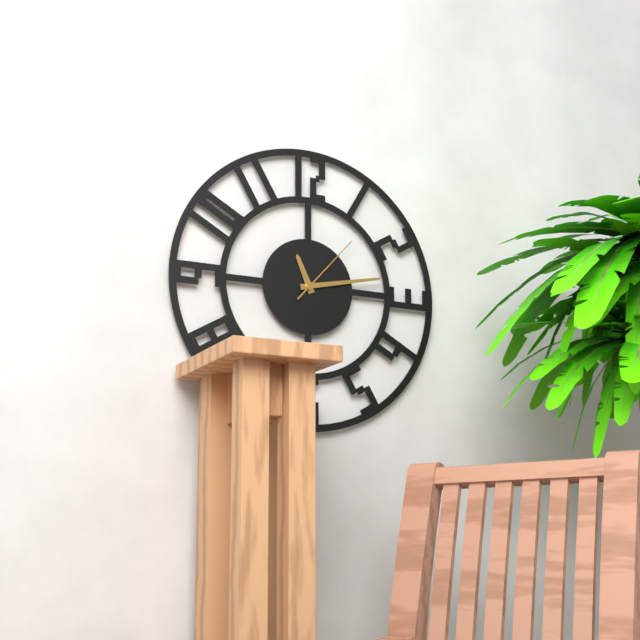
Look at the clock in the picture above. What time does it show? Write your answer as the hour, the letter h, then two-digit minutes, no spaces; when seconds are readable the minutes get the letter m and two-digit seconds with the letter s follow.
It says 11h13m07s
